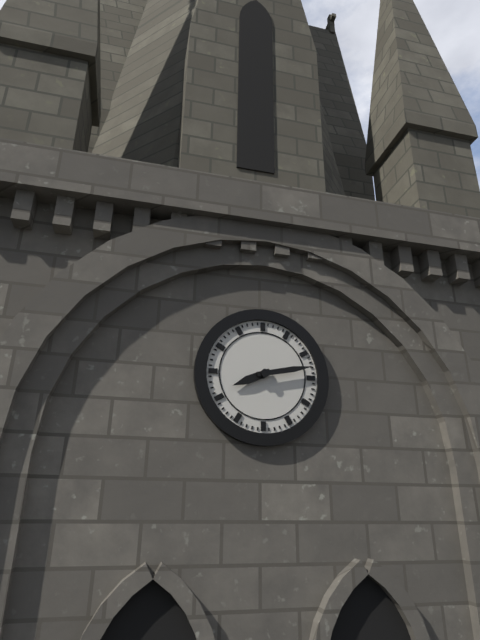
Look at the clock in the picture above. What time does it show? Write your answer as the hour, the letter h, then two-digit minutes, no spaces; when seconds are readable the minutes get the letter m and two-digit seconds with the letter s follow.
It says 8h13
